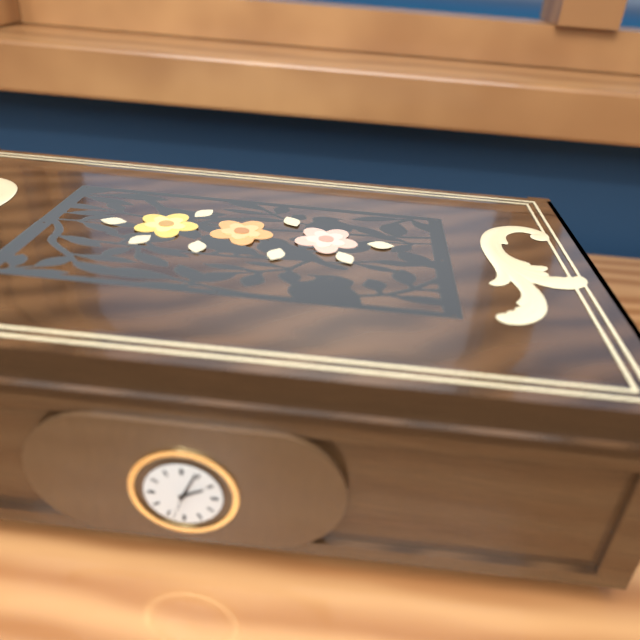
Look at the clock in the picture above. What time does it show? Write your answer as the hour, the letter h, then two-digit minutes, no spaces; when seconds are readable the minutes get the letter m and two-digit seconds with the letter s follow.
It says 2h04m33s
